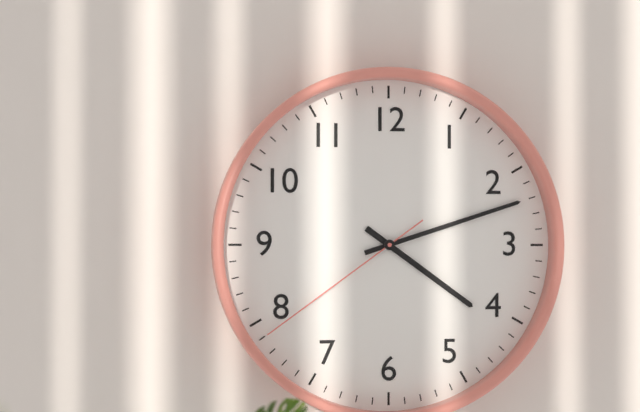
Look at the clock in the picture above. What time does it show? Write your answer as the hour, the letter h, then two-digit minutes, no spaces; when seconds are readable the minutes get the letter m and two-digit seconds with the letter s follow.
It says 4h12m39s
